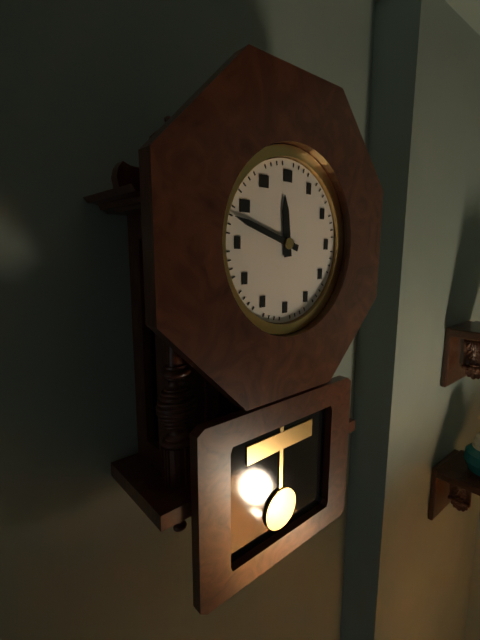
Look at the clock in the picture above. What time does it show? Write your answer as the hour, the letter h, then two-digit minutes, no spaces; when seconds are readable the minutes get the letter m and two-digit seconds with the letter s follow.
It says 11h48
